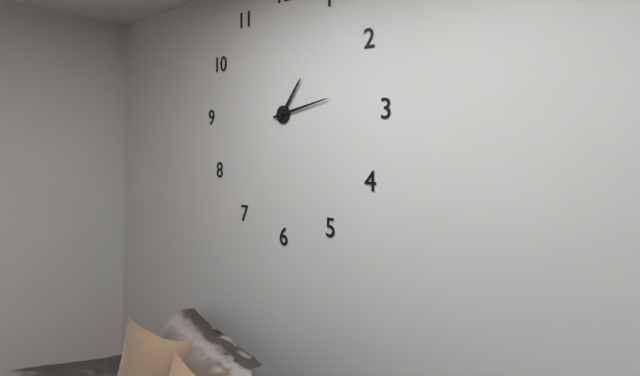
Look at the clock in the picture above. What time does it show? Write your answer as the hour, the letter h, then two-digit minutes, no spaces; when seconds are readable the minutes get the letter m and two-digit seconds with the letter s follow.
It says 1h13
